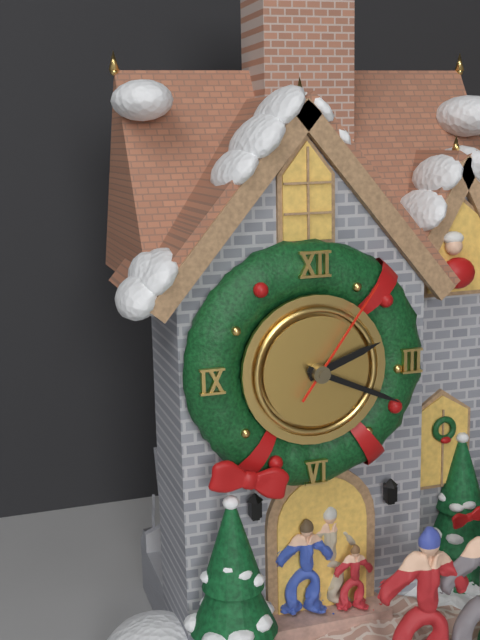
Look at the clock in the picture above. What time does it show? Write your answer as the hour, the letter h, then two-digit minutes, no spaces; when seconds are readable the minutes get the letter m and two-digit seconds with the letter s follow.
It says 2h19m06s
